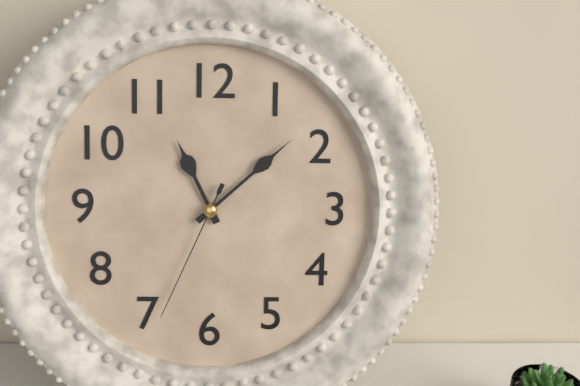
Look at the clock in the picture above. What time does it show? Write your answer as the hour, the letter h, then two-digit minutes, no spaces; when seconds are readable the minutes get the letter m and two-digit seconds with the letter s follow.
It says 11h08m34s
